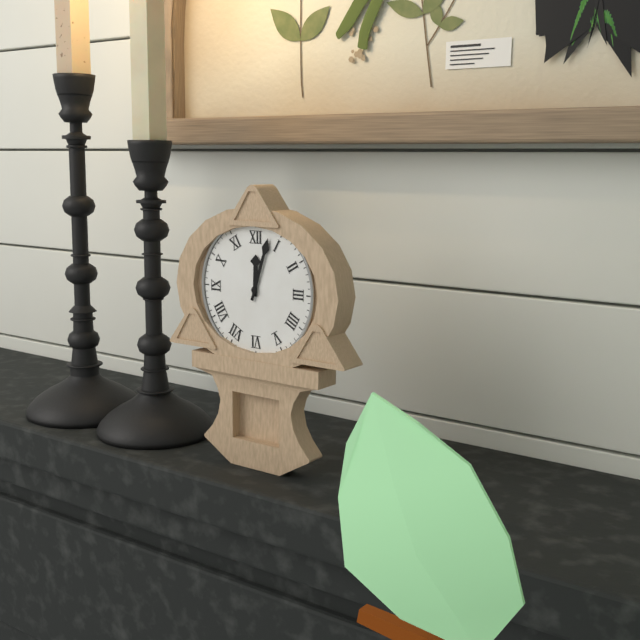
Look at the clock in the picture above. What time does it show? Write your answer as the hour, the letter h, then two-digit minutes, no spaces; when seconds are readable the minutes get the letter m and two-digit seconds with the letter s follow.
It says 12h03
